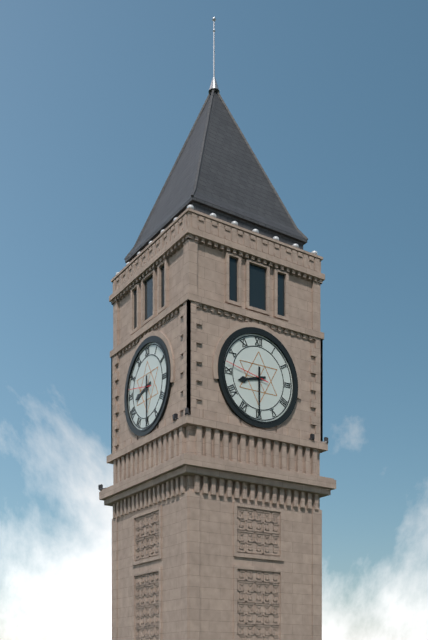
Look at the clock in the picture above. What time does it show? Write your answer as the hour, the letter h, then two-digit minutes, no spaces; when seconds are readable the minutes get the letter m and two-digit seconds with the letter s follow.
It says 8h30
